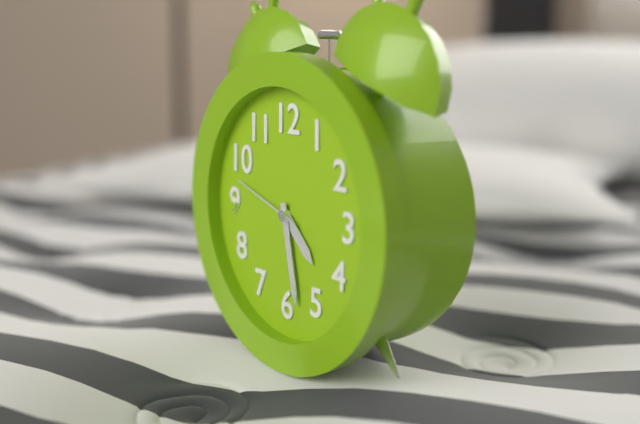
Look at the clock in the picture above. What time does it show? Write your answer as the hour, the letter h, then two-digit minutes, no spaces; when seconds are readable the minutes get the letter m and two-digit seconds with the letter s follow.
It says 4h28m48s
